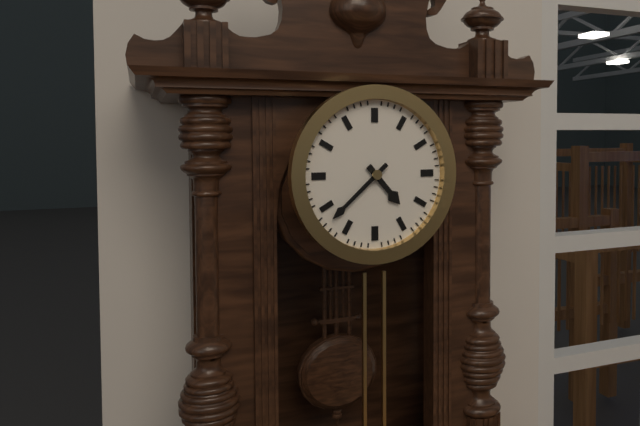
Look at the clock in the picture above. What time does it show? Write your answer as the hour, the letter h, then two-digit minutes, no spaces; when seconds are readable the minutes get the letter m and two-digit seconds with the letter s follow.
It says 4h38
